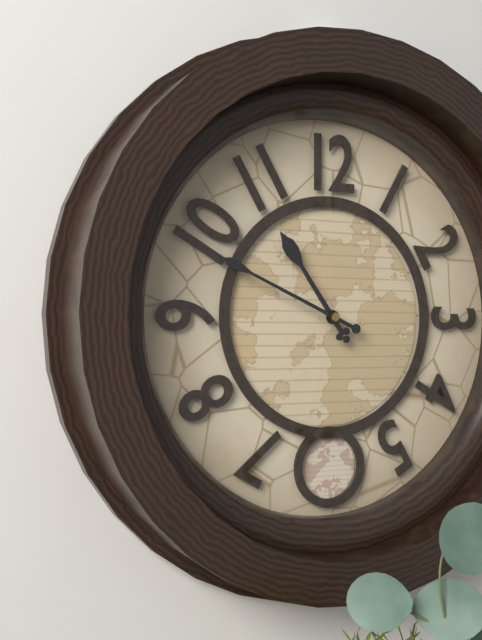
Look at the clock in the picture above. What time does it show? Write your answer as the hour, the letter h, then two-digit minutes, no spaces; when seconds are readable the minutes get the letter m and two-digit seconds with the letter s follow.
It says 10h49
